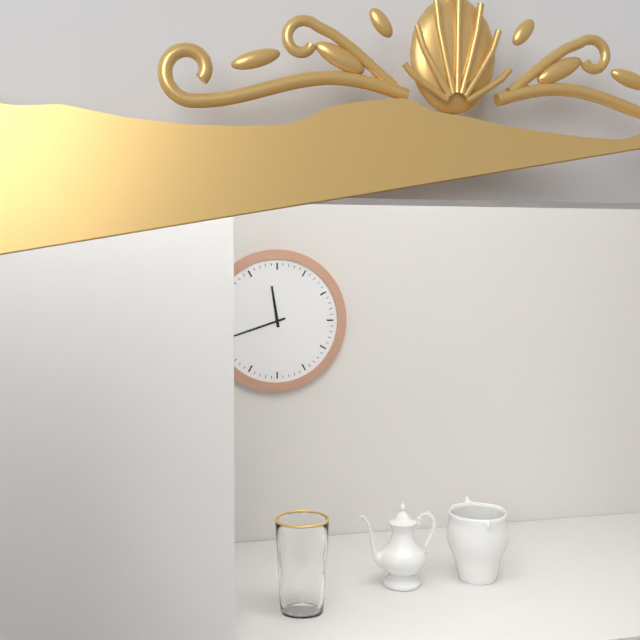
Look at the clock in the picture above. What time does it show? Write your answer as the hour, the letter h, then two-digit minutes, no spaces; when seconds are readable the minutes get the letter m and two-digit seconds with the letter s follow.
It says 11h42
